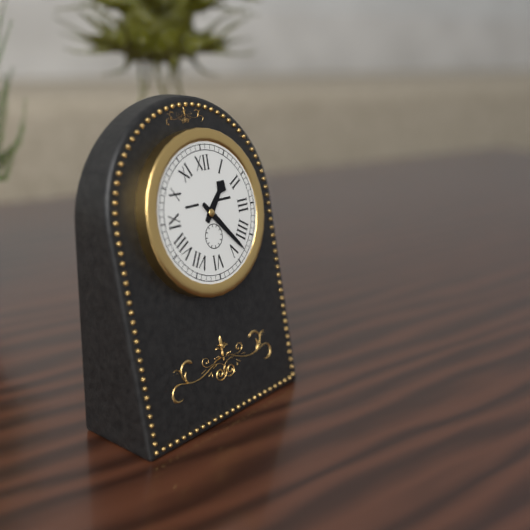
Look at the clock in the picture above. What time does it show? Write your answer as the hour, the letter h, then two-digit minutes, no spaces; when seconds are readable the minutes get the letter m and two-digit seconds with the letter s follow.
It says 1h23
